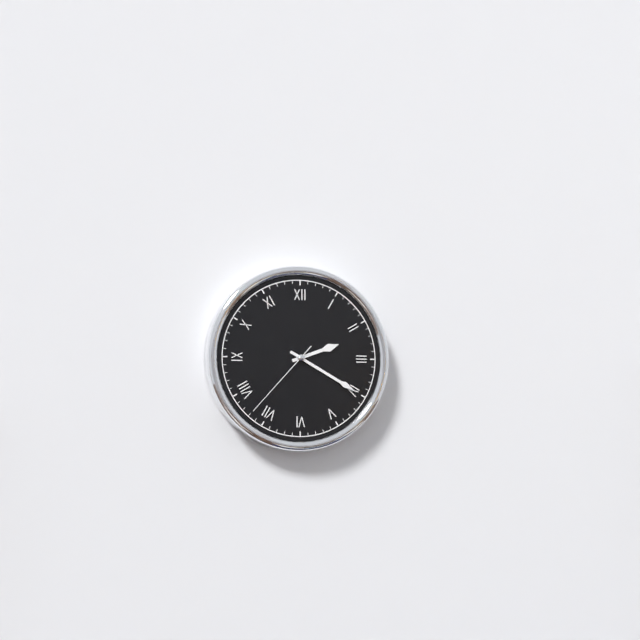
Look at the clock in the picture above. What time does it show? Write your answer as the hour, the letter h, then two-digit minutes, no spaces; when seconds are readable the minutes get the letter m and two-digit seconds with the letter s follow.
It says 2h20m37s
